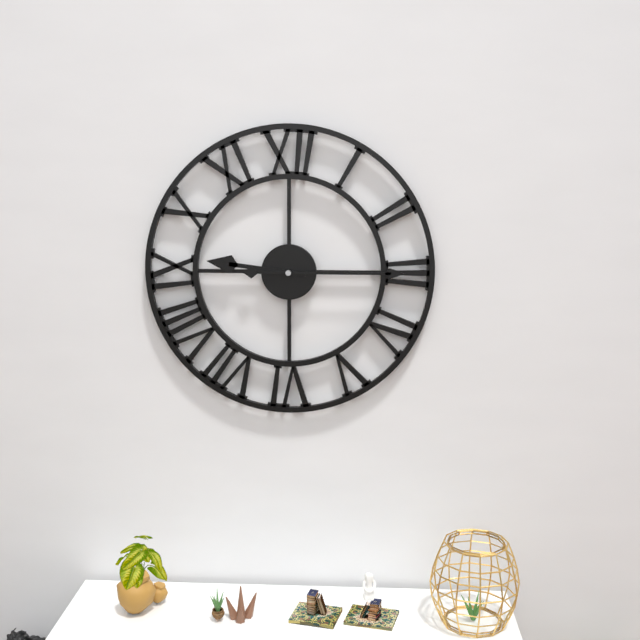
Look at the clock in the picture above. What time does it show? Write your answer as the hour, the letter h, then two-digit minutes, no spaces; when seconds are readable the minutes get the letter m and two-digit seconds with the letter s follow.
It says 9h15
